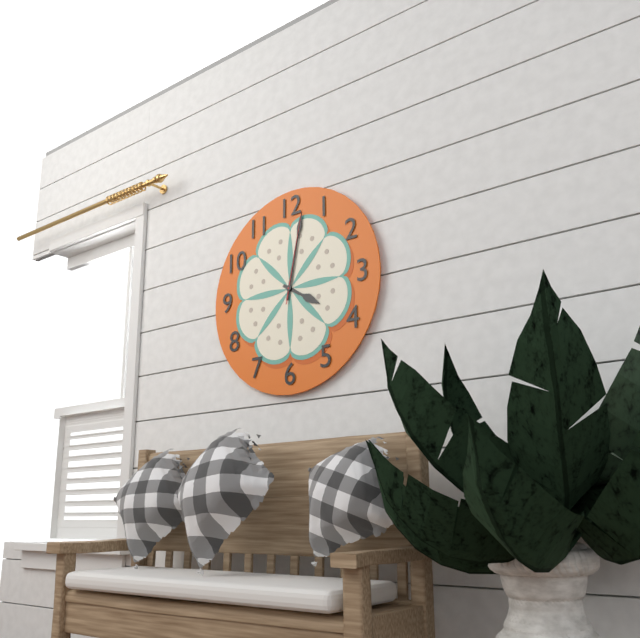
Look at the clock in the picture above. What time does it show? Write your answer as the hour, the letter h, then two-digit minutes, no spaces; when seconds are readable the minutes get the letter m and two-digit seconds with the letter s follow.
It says 4h02m02s
